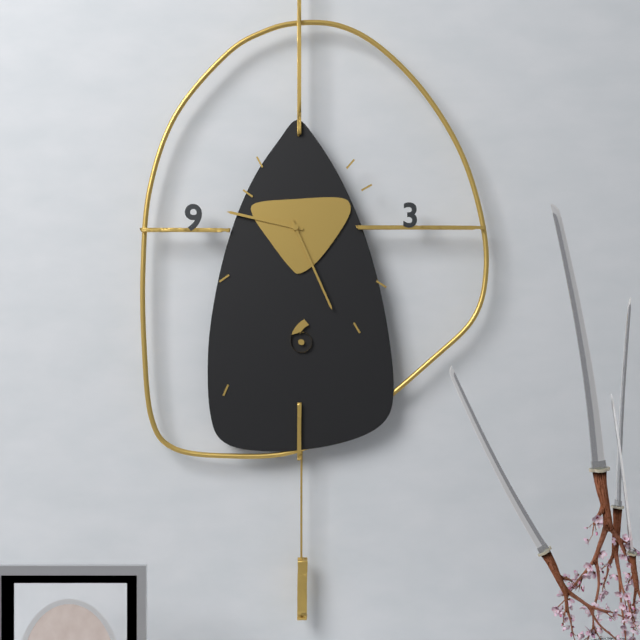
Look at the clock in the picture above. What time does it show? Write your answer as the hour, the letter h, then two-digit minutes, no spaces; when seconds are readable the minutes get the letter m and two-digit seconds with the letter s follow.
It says 9h26
